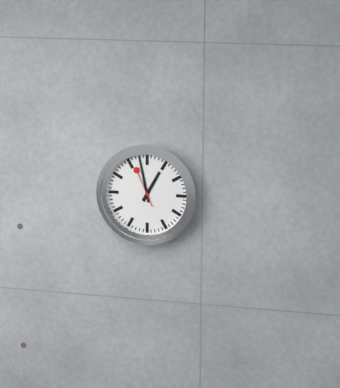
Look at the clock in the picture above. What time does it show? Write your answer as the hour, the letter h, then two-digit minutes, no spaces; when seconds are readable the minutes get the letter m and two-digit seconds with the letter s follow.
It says 12h58
